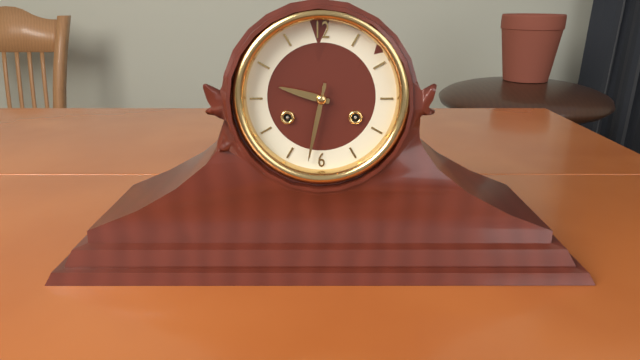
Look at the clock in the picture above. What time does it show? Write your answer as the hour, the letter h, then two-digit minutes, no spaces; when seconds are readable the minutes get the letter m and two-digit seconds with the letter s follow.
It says 9h32
